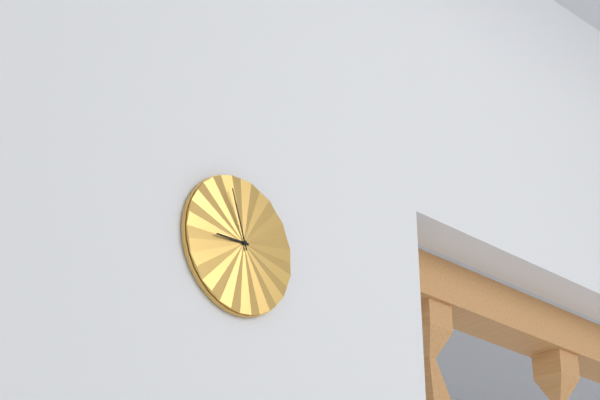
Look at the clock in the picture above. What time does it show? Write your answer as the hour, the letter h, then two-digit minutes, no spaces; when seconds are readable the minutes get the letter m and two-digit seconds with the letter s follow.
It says 8h57
